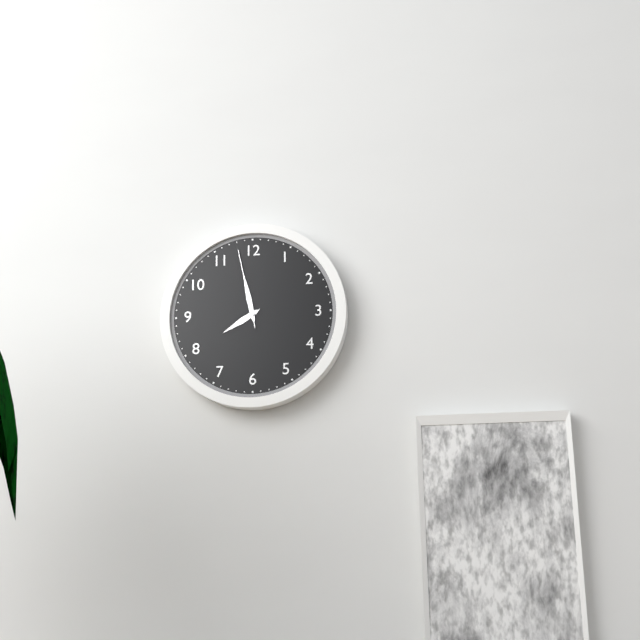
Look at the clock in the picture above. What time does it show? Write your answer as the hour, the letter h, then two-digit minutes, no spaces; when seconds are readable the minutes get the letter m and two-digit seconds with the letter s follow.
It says 7h58m58s
